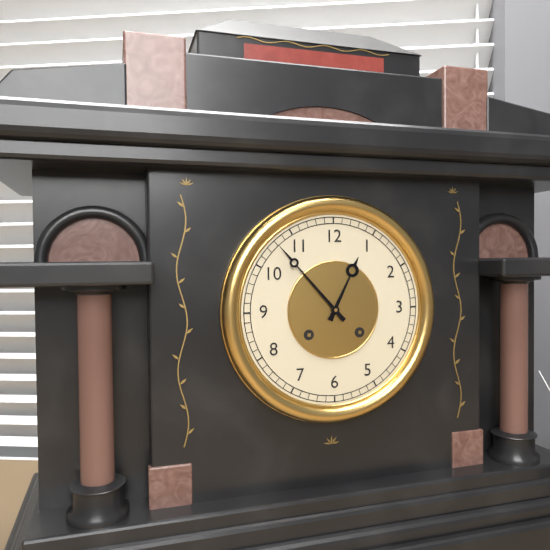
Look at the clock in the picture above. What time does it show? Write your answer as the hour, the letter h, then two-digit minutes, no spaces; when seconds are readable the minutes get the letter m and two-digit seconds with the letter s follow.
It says 12h53
